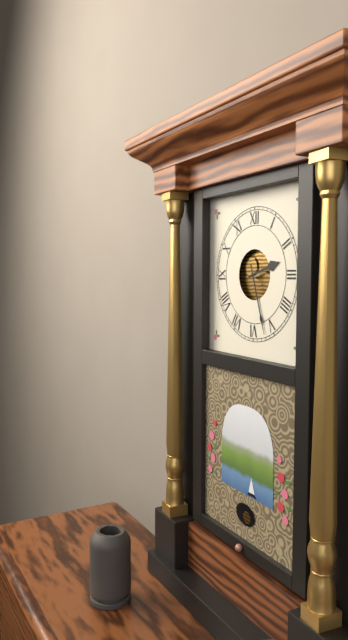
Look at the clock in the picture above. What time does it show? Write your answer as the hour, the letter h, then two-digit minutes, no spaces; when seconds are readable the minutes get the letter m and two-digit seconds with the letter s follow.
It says 2h27
